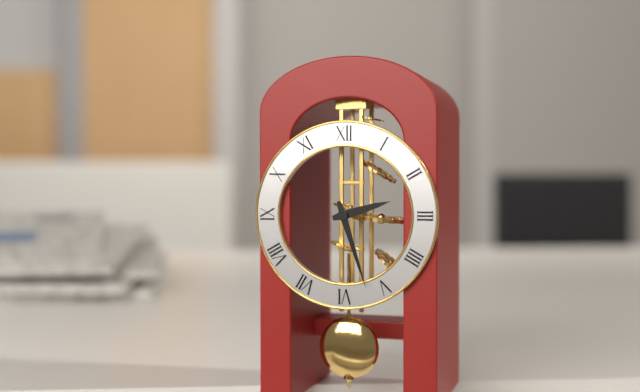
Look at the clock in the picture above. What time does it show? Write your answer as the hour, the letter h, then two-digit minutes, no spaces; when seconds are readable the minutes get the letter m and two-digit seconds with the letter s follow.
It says 2h27
